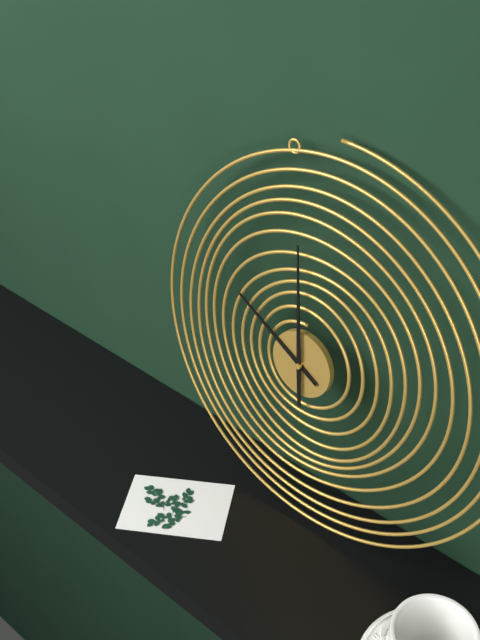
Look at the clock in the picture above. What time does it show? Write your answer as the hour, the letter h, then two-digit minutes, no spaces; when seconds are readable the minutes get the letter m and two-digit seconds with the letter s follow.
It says 9h59
